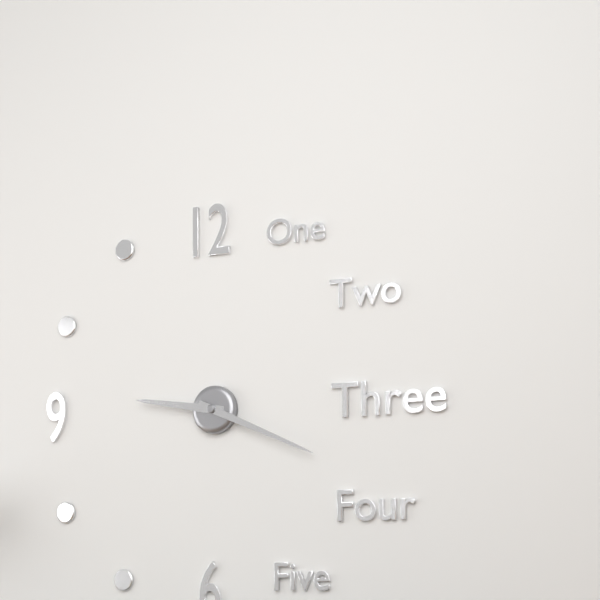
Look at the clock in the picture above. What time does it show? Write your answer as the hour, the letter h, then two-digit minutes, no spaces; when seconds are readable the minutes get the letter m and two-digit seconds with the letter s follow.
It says 9h19
